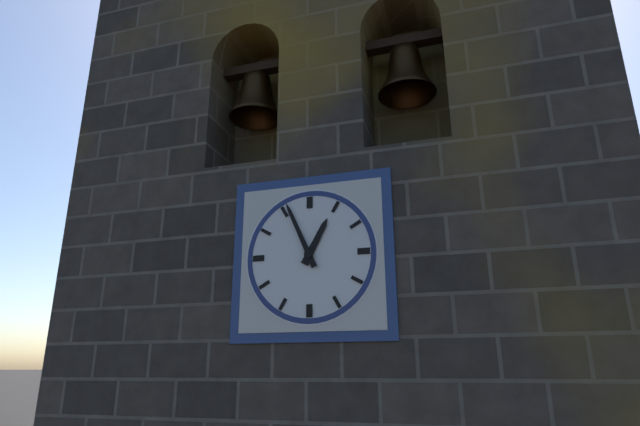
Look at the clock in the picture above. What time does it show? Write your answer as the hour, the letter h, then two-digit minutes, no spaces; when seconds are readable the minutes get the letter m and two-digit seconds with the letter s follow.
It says 12h56
